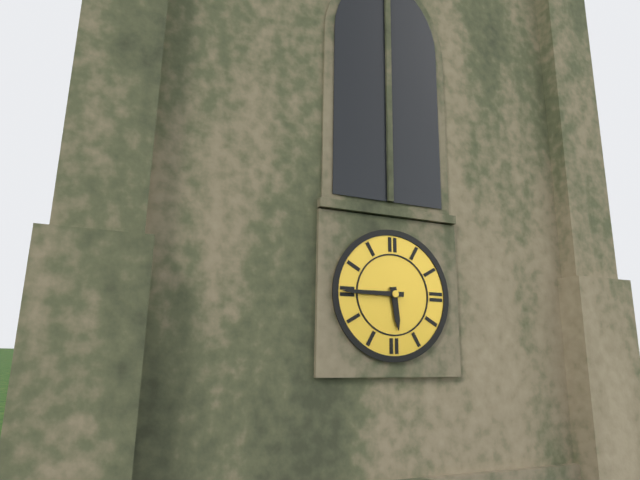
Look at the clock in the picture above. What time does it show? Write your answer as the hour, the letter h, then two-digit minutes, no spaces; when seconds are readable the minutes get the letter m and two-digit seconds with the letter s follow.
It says 5h45
